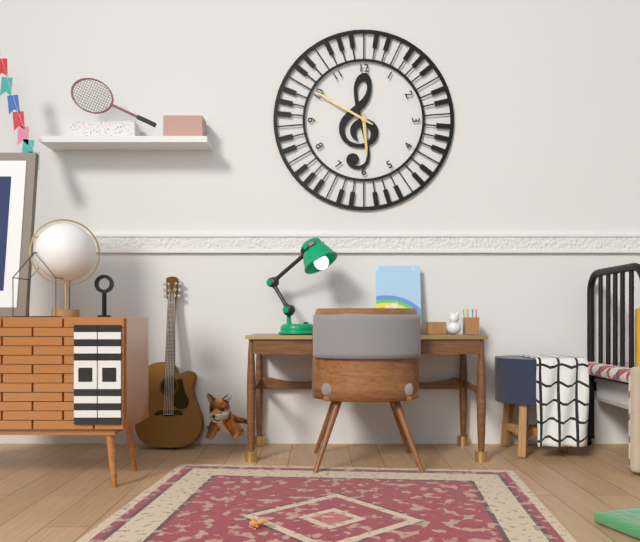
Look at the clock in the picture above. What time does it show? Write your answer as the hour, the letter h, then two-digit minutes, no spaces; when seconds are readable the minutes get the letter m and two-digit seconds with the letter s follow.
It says 5h50
